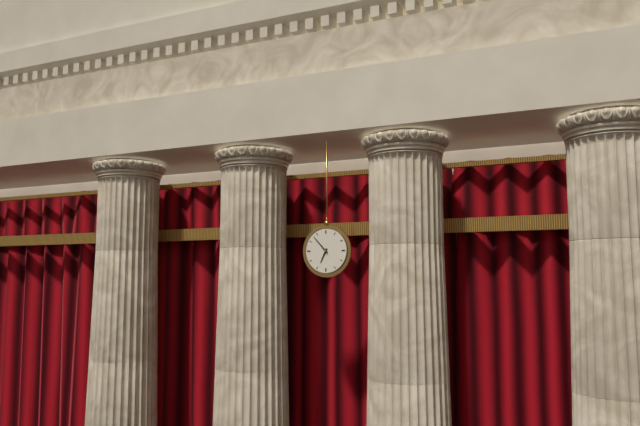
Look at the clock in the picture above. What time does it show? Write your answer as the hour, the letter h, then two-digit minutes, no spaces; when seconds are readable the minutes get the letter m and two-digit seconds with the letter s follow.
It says 6h53
